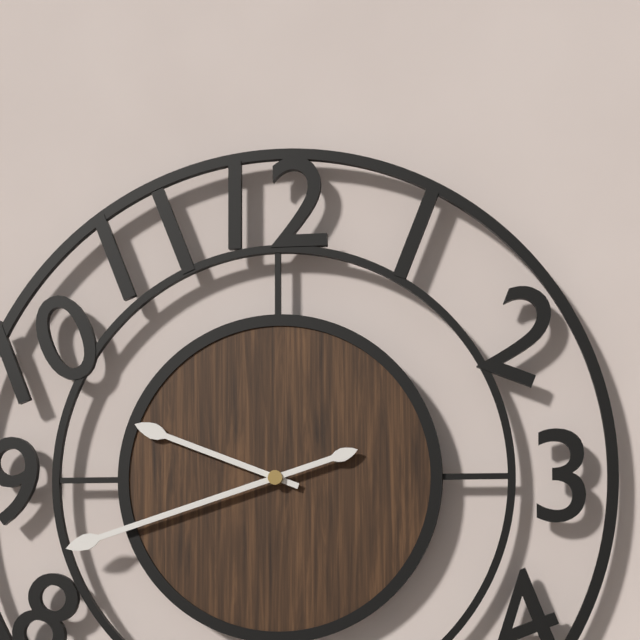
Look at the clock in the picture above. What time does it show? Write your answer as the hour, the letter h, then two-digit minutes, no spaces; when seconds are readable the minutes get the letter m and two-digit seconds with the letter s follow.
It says 9h42
